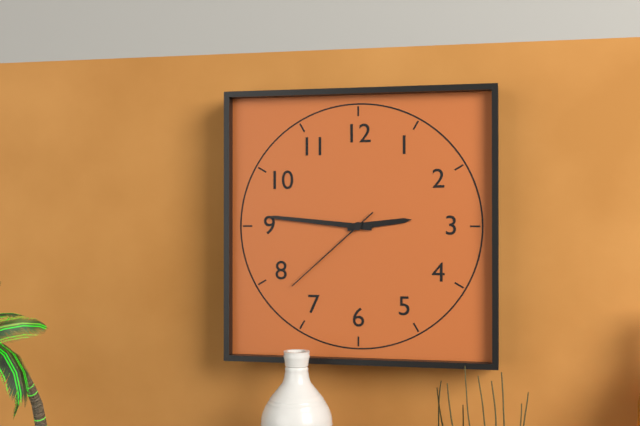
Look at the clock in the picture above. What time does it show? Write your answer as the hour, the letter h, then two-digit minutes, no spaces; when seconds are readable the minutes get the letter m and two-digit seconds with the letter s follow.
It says 2h46m38s
